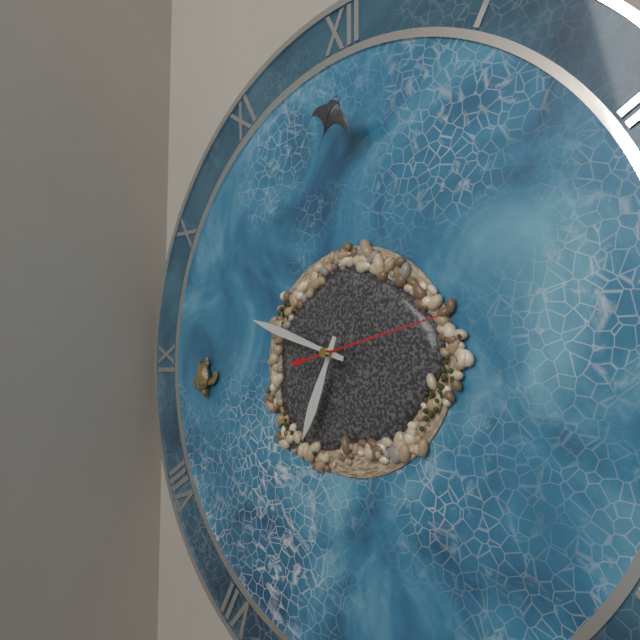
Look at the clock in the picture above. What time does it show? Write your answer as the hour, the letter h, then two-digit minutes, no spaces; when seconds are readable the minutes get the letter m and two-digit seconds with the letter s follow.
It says 6h48m13s
